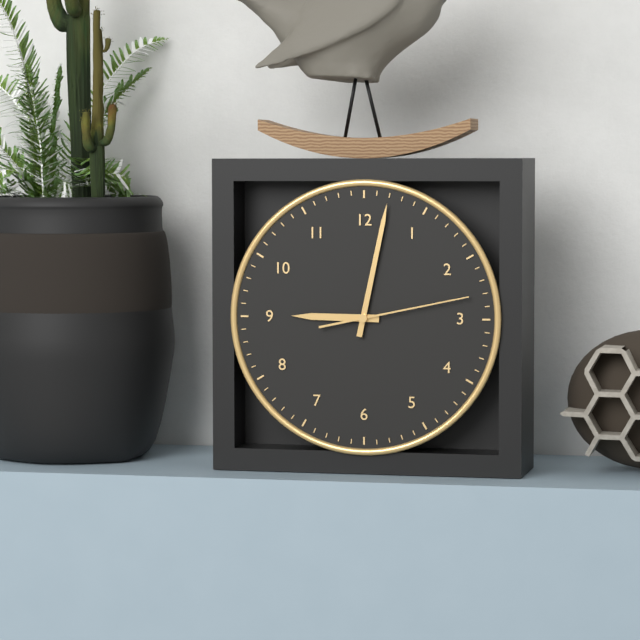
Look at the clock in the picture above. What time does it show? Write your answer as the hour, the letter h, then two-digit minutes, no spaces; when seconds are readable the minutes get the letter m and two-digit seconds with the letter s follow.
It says 9h02m13s
